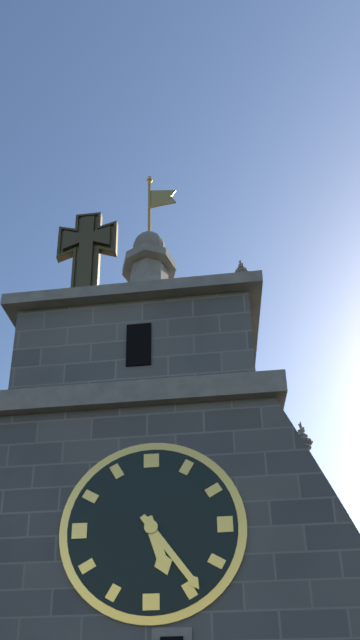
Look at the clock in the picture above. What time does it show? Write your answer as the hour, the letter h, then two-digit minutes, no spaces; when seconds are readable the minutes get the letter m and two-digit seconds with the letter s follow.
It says 5h24
